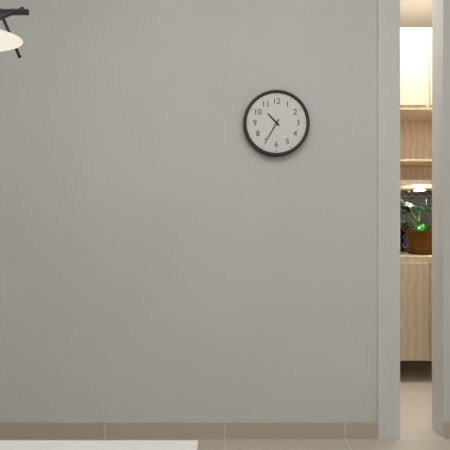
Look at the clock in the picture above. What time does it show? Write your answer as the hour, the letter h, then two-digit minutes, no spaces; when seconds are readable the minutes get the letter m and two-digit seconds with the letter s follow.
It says 10h35
